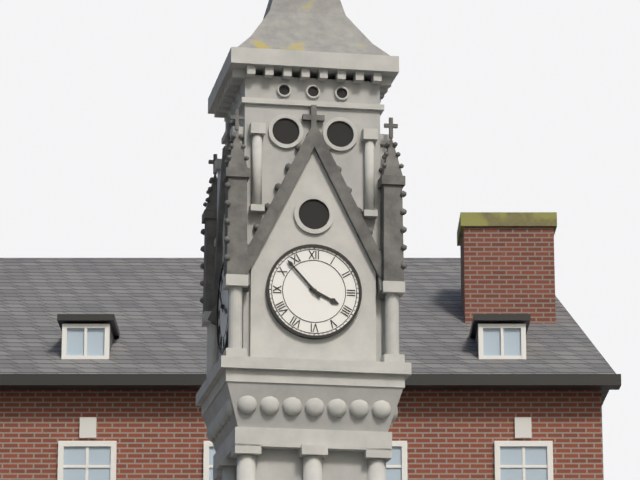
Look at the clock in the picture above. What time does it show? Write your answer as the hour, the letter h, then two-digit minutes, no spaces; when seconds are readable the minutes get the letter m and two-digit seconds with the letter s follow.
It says 3h53
